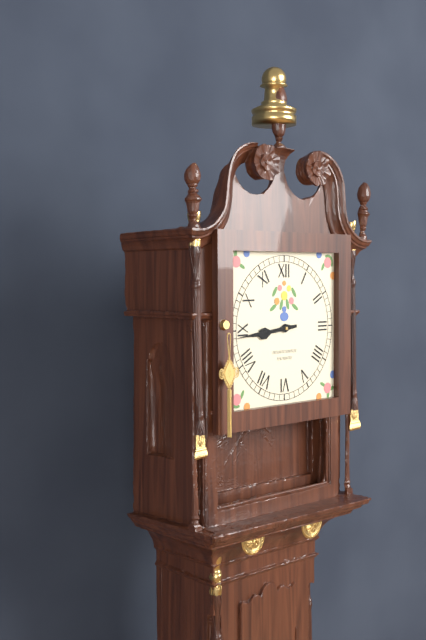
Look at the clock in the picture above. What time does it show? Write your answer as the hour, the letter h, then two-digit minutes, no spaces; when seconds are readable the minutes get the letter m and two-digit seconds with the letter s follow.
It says 8h44
